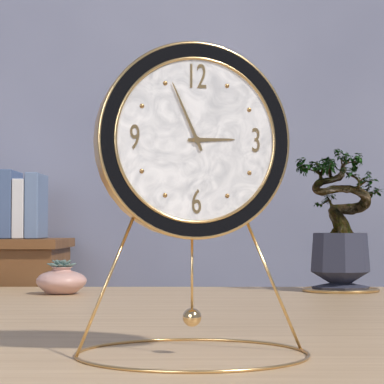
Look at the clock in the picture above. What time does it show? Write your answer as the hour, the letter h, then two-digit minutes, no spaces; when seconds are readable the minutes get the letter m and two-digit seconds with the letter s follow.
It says 2h56
